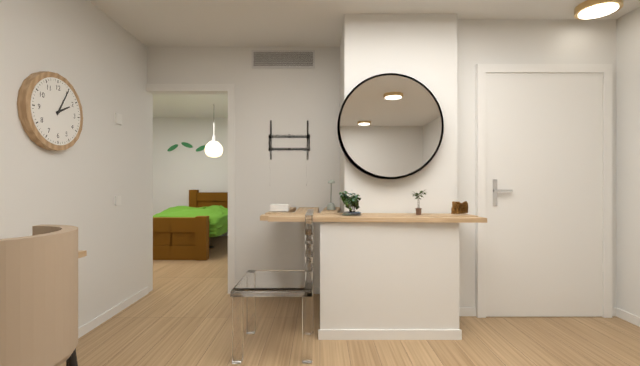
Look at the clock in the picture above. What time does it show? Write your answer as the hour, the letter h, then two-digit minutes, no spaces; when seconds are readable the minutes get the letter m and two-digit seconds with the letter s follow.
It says 2h05
